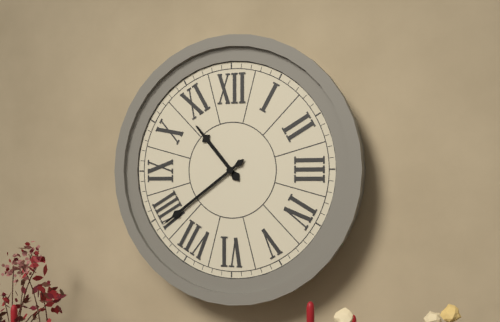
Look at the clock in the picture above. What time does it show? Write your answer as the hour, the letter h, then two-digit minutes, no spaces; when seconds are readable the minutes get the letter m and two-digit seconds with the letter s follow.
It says 10h39
